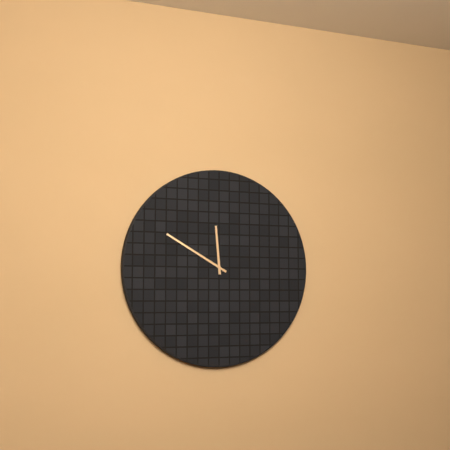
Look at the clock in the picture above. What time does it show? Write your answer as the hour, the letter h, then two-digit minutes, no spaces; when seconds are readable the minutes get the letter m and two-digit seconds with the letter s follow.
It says 11h50
